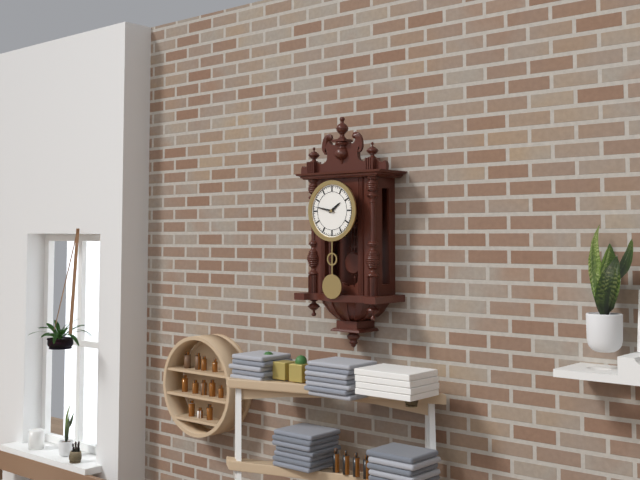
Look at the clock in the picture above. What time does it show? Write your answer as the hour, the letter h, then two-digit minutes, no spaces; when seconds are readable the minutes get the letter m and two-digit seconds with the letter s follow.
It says 1h47
